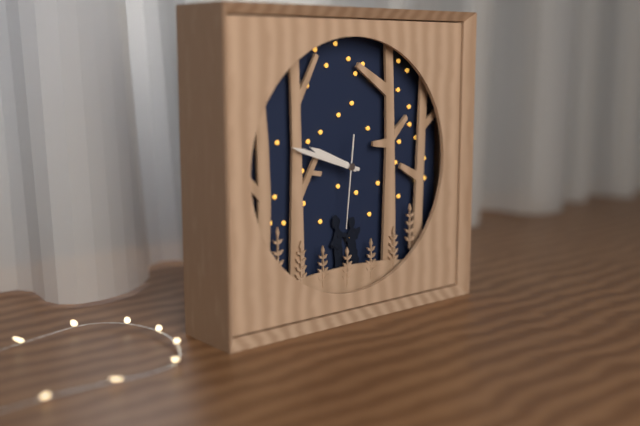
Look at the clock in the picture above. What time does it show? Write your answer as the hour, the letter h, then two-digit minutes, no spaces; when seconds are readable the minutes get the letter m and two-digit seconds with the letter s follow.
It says 9h48m31s
